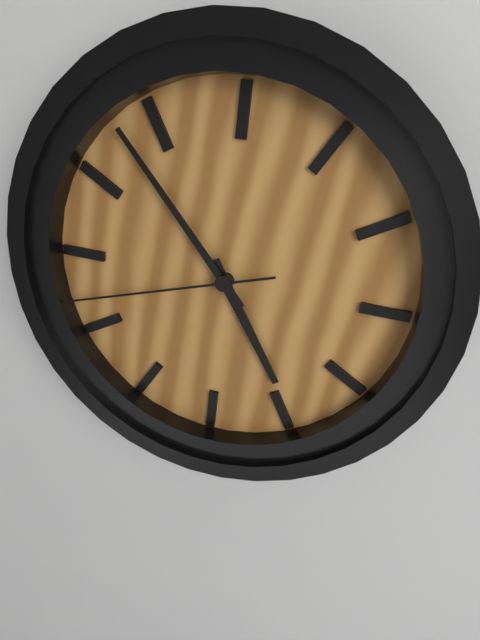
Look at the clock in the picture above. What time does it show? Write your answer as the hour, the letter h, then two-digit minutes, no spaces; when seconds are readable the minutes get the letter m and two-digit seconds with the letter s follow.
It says 4h53m42s
